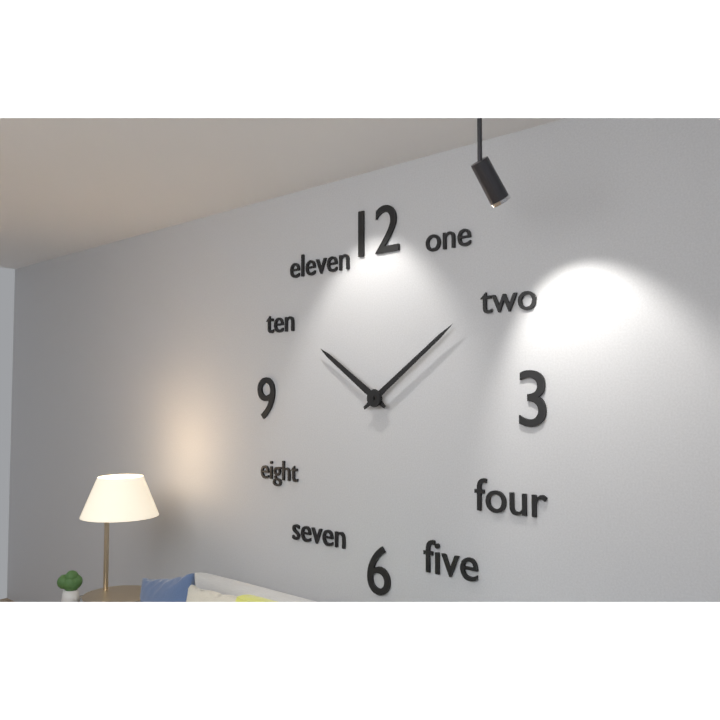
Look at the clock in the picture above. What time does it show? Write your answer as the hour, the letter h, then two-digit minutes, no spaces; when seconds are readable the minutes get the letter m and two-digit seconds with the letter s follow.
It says 10h09
